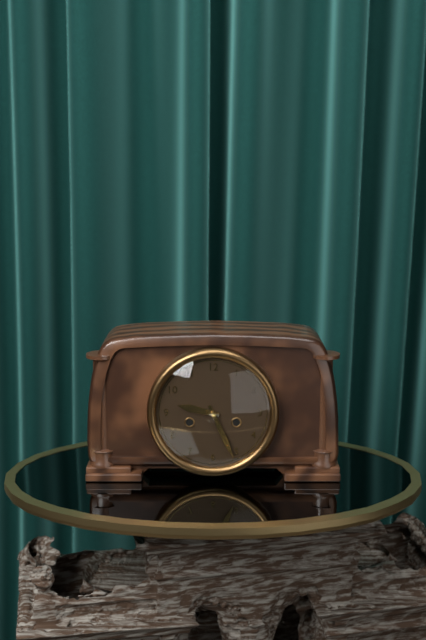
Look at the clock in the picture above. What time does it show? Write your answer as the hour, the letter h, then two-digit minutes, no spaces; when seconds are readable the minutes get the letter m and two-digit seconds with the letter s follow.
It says 9h26
